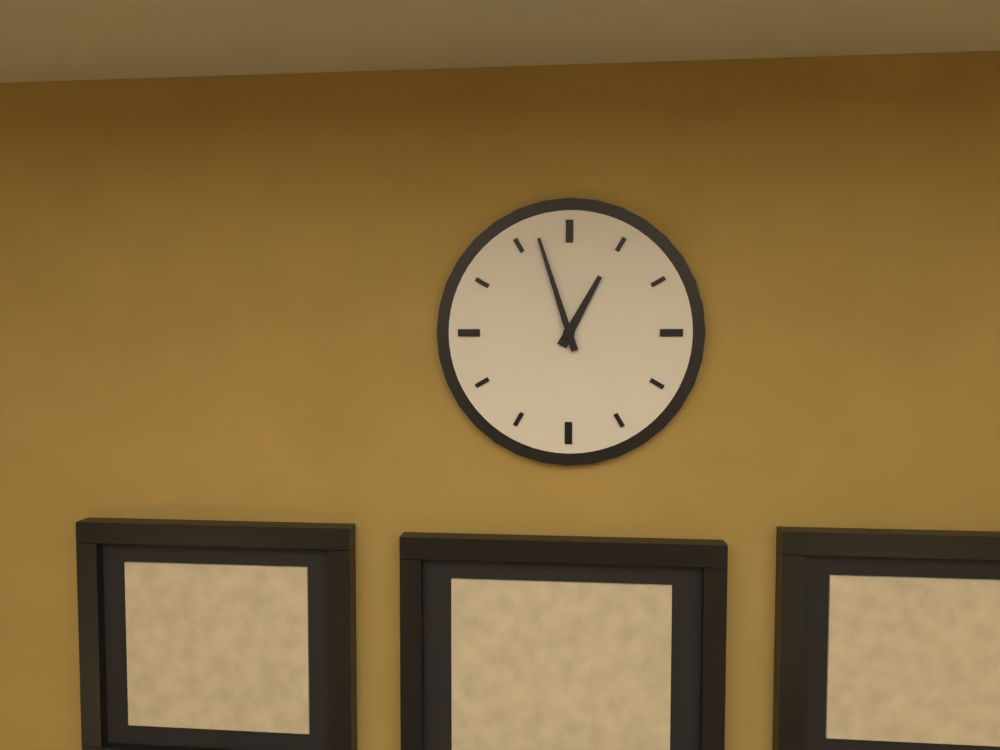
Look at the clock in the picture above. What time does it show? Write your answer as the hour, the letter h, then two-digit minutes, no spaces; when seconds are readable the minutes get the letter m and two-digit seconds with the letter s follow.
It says 12h57
